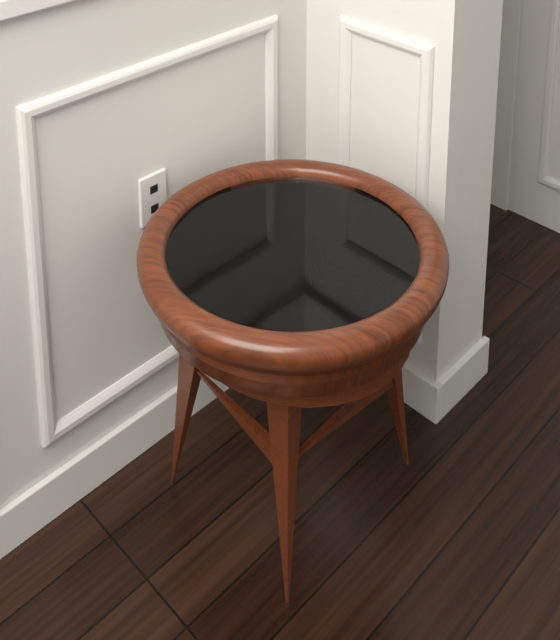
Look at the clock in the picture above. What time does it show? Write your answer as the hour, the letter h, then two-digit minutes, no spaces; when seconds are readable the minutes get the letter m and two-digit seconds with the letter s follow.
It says 9h44
